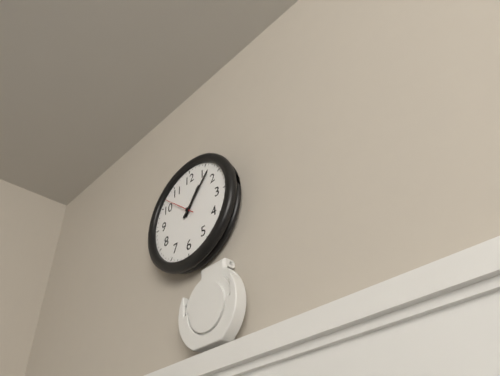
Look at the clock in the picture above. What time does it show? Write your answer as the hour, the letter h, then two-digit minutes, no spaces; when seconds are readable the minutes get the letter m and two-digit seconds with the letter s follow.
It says 1h07
